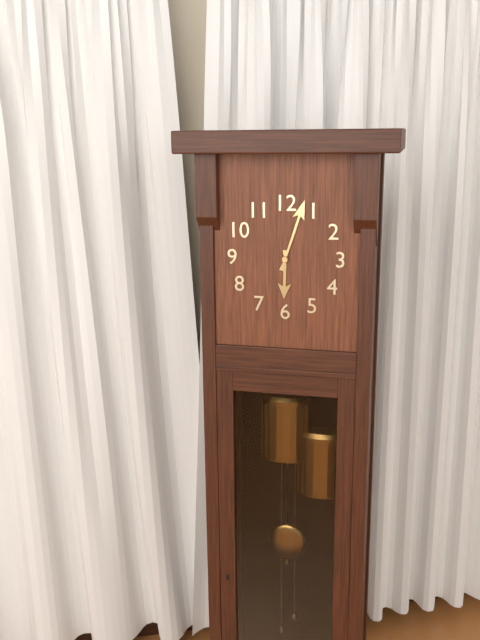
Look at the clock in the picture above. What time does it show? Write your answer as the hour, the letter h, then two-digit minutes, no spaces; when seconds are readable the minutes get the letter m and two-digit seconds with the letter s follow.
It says 6h03
